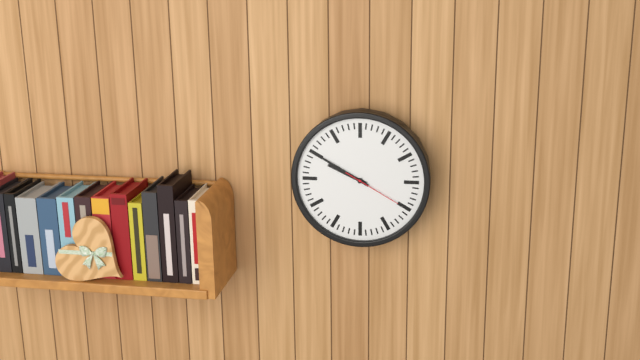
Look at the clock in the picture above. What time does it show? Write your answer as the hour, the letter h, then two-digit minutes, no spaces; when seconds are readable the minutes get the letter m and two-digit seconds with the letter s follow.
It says 9h50m20s
